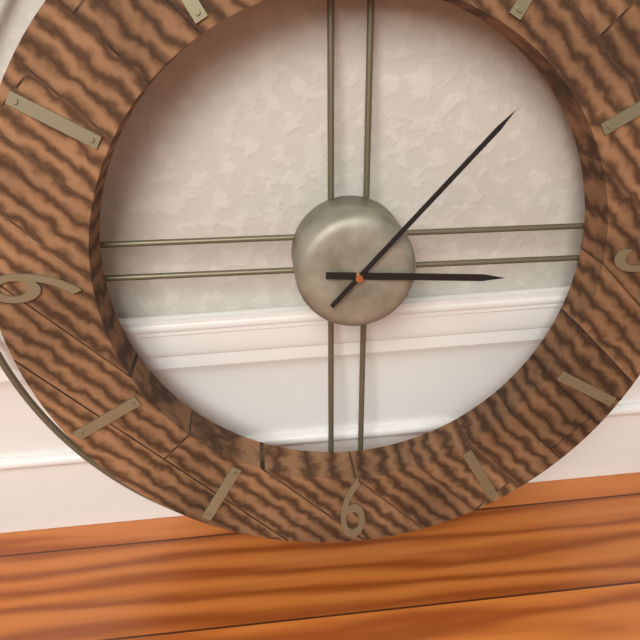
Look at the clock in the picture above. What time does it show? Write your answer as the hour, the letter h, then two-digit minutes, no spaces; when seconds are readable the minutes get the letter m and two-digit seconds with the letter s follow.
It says 3h07
